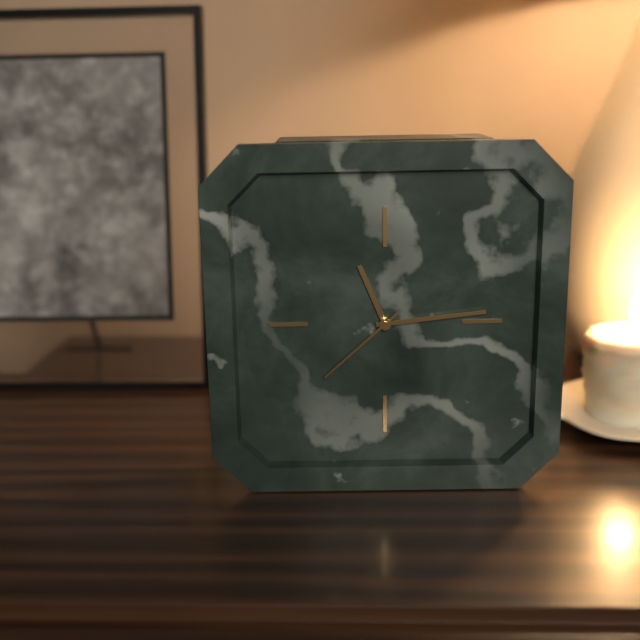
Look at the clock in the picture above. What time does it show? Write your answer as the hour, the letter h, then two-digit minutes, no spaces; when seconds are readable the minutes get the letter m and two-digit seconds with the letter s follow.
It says 11h14m38s
